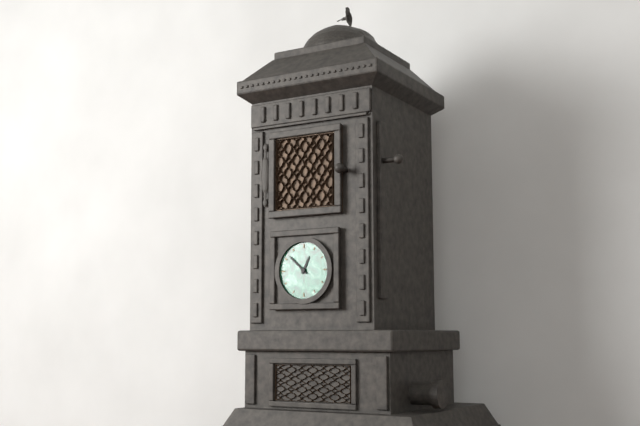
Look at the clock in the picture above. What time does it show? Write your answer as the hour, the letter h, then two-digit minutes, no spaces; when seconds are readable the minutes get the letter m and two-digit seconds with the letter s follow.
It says 12h52
